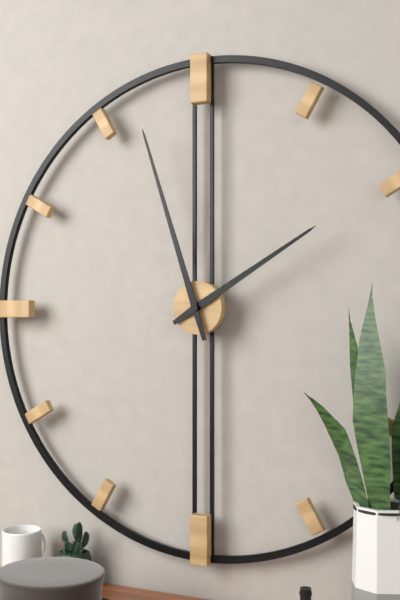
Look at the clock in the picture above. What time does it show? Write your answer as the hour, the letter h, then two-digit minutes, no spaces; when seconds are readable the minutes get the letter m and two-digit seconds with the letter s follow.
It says 1h57
